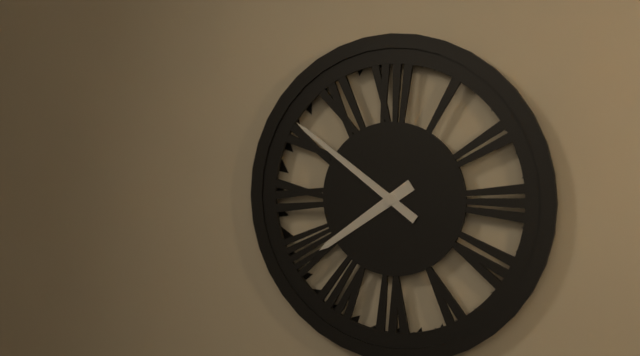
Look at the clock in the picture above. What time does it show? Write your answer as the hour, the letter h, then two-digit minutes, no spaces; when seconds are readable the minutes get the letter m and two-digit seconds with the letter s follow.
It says 7h51
